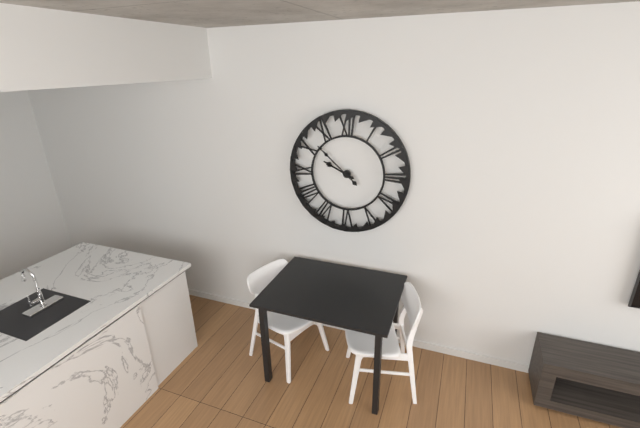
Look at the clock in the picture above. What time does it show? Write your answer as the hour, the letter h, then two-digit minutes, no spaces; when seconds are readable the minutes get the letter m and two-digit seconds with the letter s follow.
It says 9h52
